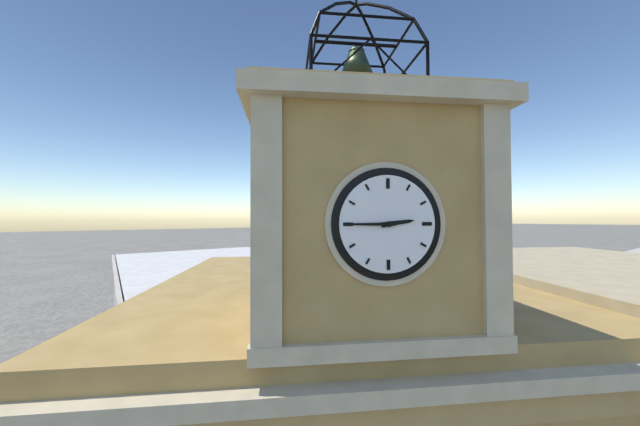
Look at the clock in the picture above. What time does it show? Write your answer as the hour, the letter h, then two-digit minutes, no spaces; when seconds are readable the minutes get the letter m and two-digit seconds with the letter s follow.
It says 2h45
